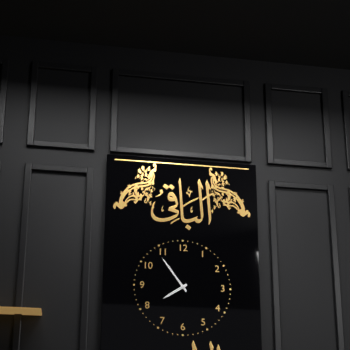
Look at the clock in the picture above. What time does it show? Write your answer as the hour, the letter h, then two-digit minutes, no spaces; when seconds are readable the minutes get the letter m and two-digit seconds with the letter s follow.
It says 7h54
